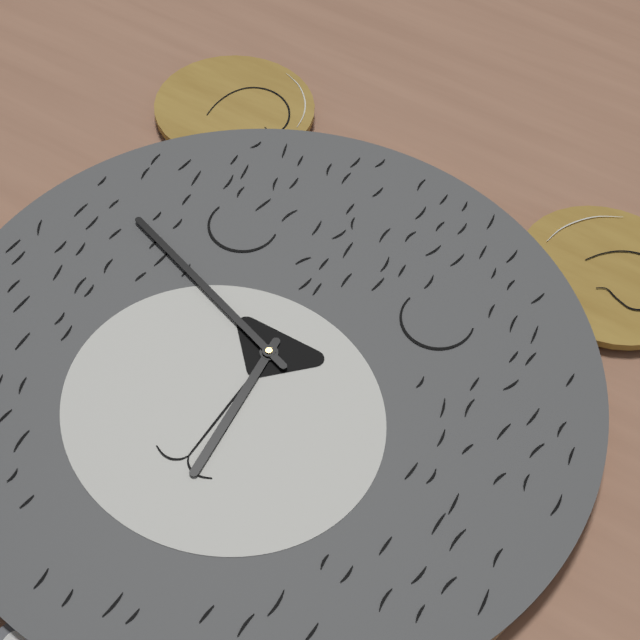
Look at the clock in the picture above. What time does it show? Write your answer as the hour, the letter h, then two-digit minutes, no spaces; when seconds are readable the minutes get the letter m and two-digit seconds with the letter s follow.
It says 5h48
